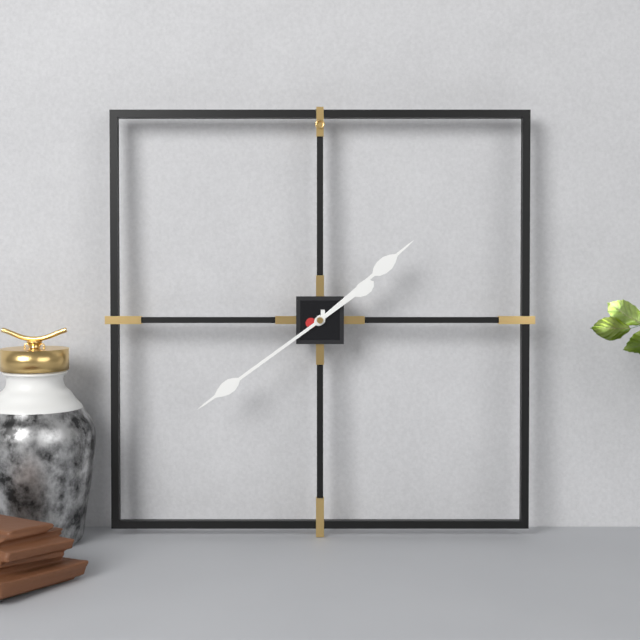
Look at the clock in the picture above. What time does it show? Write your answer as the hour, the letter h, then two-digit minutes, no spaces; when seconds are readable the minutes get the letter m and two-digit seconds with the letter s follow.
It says 1h39
